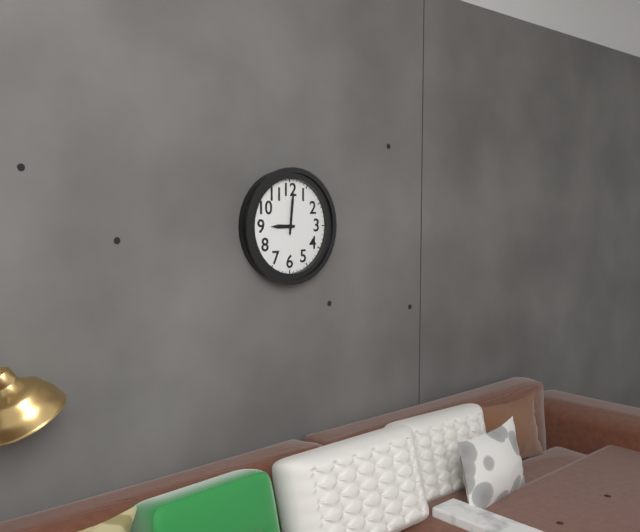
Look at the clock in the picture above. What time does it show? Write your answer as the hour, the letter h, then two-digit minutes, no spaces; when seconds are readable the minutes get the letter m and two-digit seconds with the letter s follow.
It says 9h01
